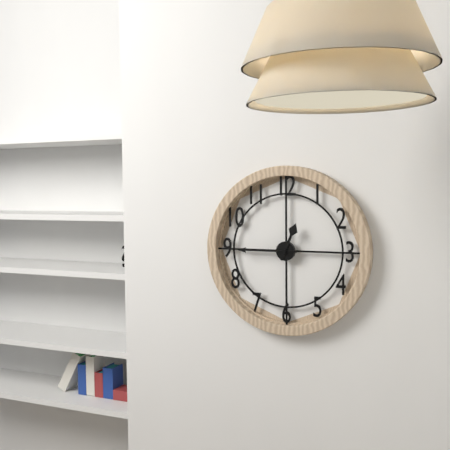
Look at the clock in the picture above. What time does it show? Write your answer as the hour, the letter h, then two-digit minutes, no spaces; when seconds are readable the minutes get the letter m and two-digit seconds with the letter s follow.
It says 12h45
